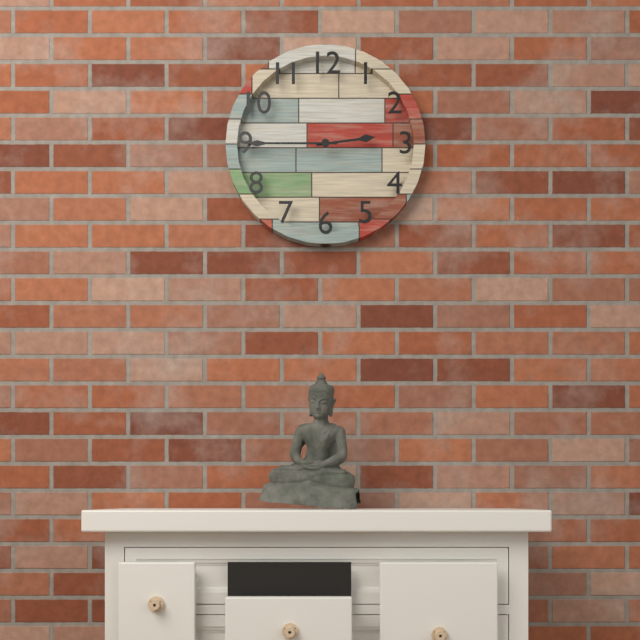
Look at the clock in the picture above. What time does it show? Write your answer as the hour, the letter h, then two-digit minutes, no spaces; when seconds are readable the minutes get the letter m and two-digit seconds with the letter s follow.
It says 2h45
